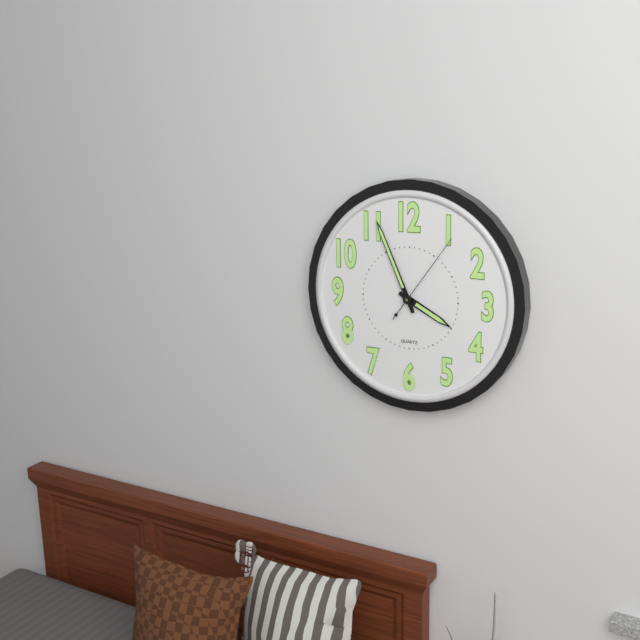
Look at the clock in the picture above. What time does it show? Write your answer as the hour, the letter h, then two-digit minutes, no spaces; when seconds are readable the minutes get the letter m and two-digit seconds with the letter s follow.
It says 3h56m06s
